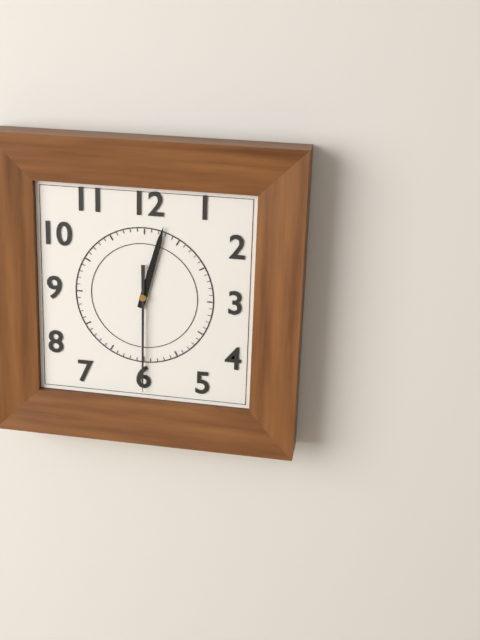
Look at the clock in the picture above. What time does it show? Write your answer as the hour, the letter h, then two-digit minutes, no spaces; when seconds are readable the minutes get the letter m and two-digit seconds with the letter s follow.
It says 12h30
